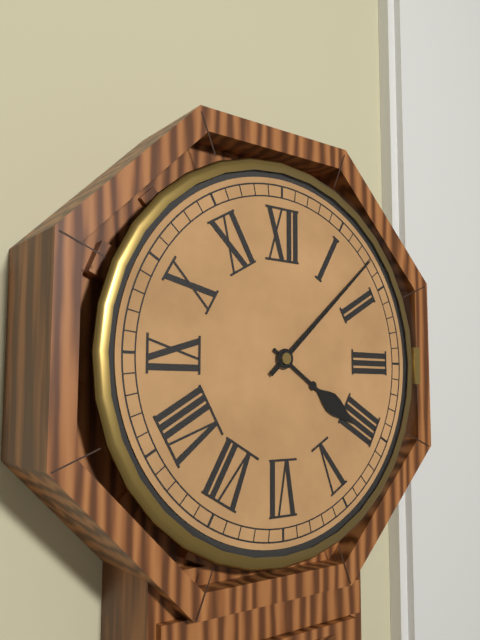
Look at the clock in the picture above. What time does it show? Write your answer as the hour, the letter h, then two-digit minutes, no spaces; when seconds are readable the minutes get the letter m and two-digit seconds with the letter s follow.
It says 4h08
